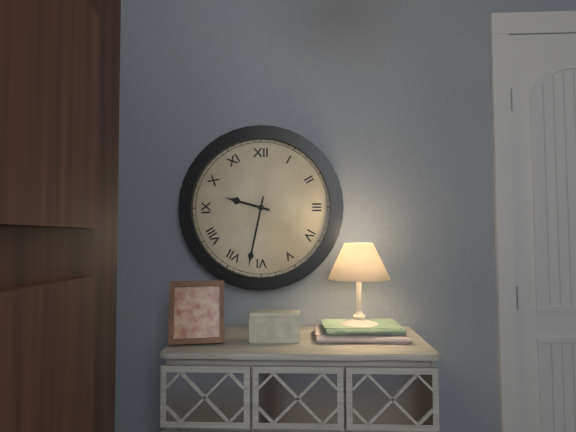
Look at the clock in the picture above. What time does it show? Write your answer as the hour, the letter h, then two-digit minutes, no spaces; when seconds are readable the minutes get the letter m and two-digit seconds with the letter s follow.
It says 9h32
